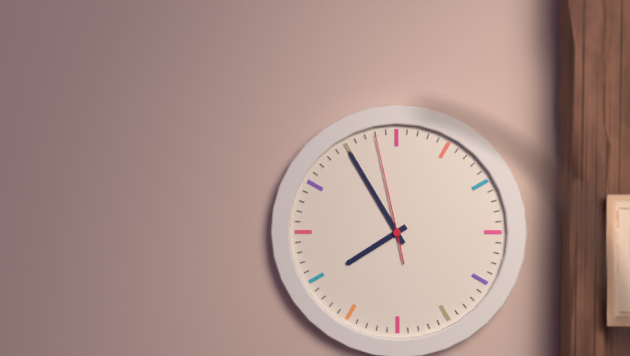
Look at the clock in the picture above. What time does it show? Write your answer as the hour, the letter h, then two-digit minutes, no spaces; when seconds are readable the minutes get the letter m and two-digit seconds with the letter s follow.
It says 7h55m58s
